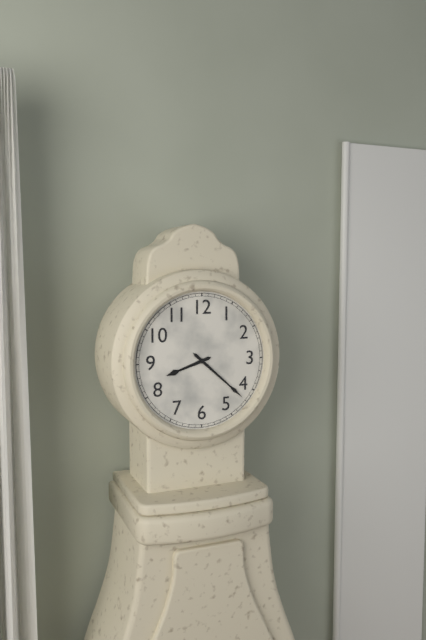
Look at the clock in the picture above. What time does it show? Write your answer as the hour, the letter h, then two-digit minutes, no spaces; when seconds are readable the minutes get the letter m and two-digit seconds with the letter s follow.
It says 8h22
